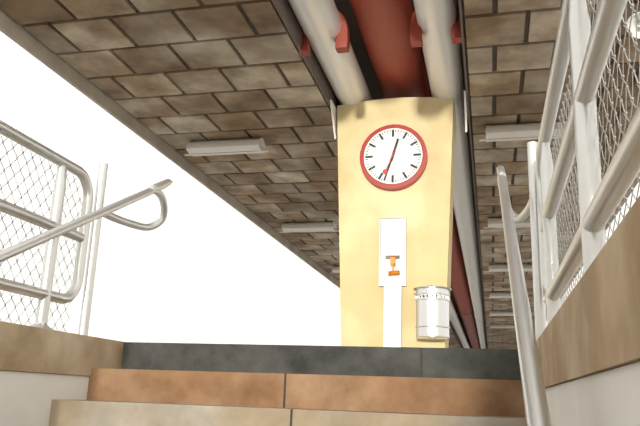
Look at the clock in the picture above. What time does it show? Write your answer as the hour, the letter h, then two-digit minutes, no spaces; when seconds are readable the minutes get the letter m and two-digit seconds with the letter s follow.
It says 12h33
